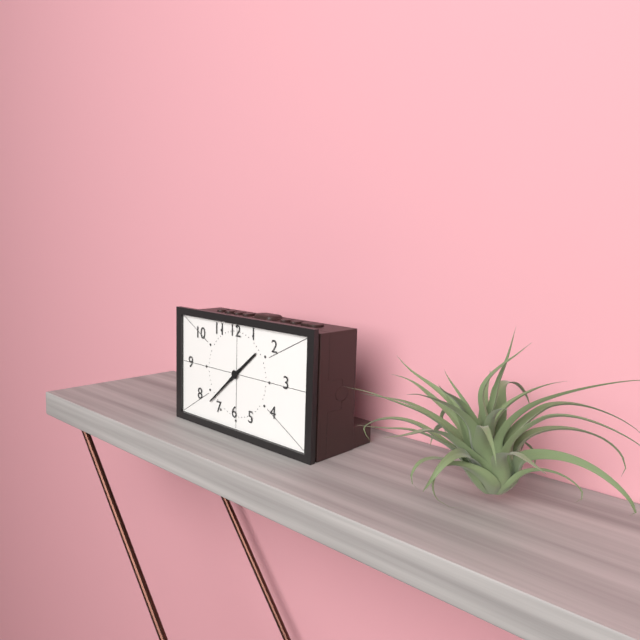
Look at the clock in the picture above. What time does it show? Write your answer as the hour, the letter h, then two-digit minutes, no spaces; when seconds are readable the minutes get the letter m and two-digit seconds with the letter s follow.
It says 1h38
